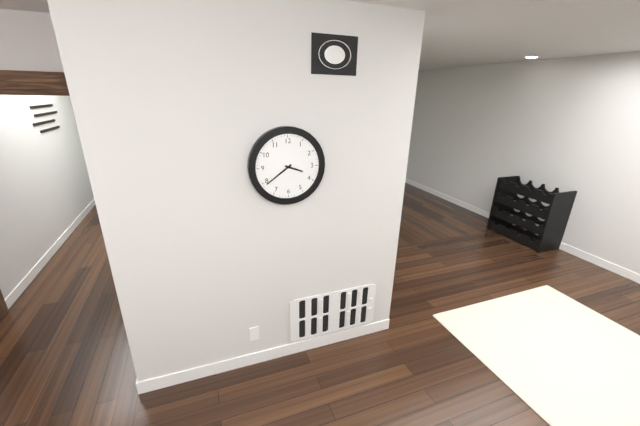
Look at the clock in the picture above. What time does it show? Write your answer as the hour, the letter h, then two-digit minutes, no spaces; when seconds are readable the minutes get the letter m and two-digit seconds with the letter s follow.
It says 3h39
